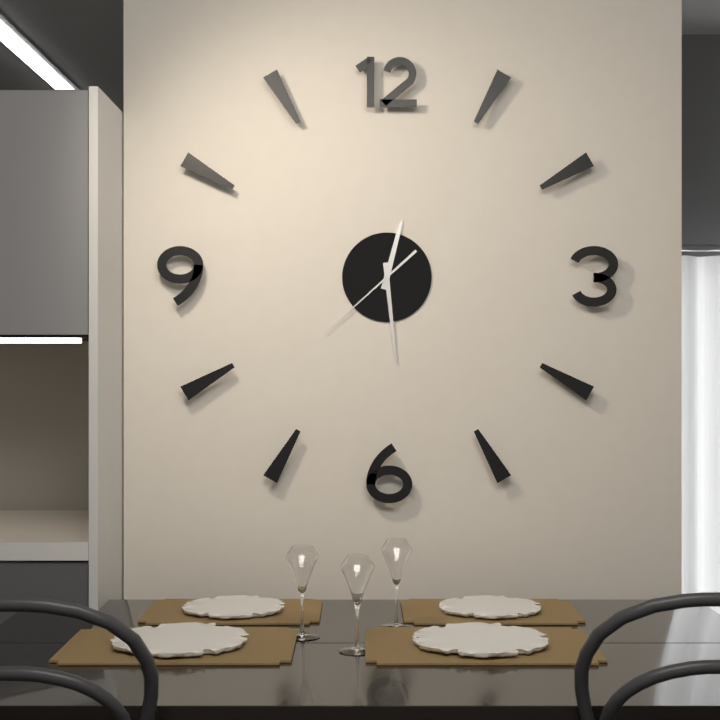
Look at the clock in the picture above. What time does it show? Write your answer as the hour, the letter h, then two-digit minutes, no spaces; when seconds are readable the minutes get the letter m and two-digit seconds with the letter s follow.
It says 12h29m38s
